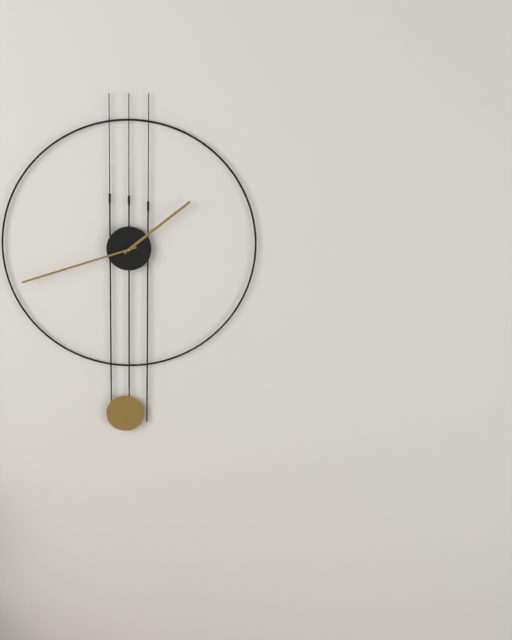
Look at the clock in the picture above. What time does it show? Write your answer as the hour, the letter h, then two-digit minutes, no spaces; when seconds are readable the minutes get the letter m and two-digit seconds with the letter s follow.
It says 1h42
